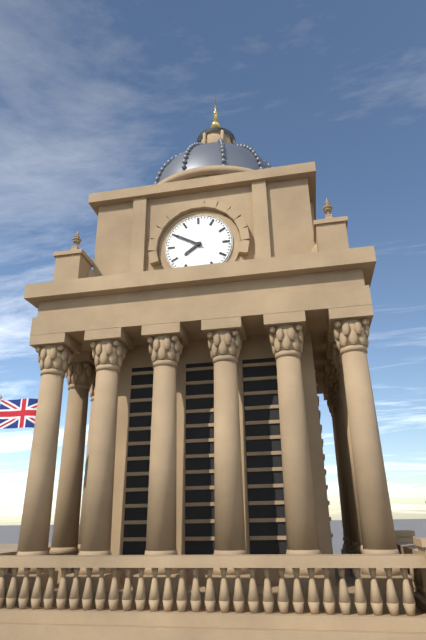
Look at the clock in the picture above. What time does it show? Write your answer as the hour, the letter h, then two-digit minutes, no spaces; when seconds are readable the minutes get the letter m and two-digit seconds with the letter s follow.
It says 7h50
